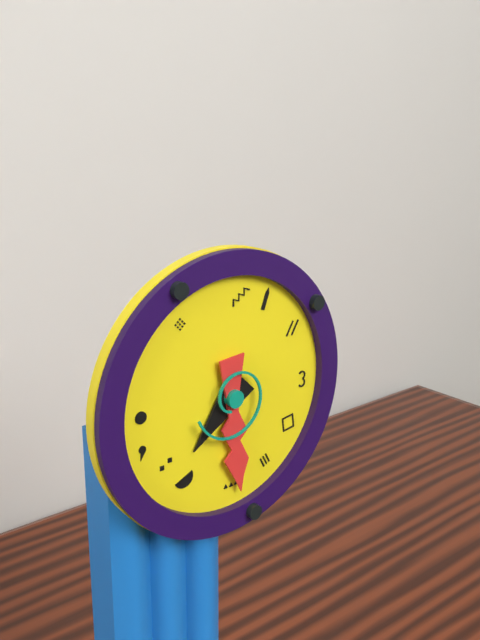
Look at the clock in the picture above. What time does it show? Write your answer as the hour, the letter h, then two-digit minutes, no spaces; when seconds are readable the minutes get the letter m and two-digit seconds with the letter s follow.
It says 7h29
